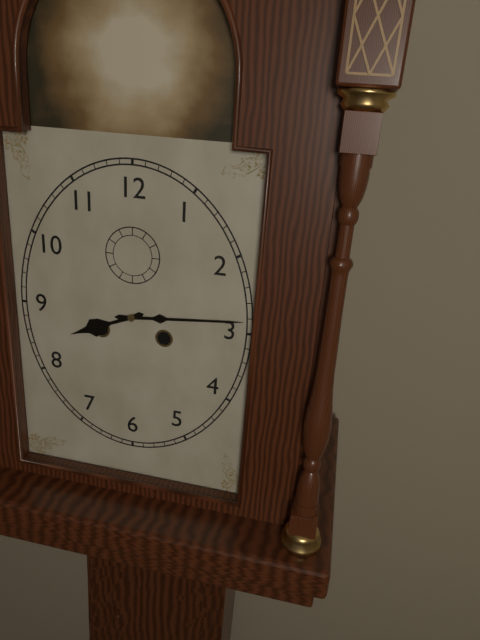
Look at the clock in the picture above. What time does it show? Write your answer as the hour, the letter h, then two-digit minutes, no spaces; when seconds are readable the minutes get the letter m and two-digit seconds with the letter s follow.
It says 8h14
